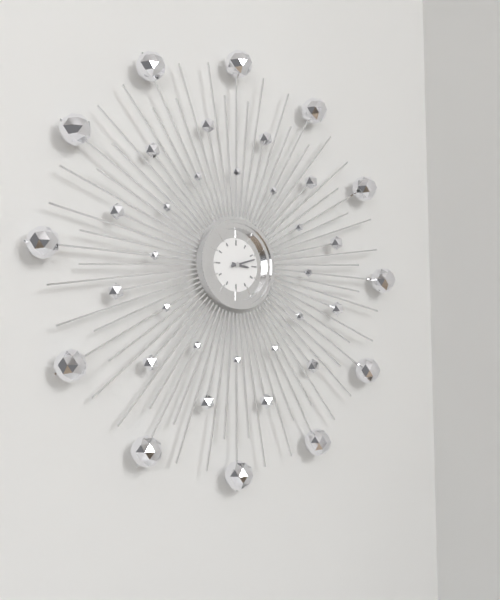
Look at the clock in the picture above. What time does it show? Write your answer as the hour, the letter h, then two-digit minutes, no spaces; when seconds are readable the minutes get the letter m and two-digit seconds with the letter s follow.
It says 3h12
